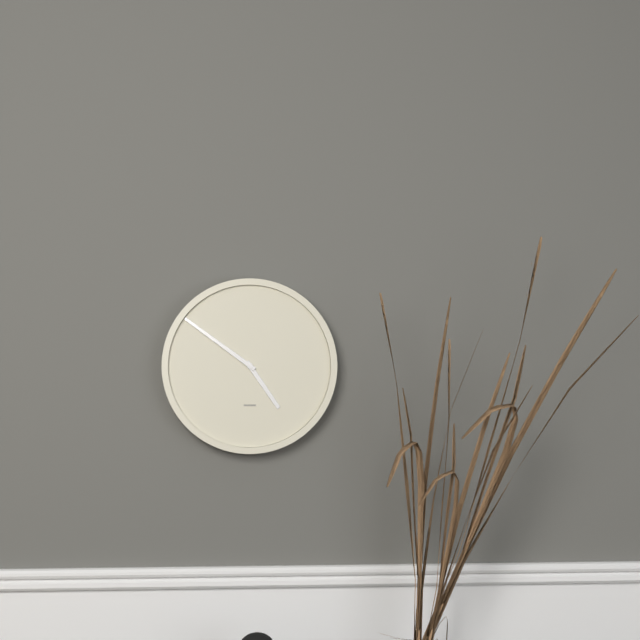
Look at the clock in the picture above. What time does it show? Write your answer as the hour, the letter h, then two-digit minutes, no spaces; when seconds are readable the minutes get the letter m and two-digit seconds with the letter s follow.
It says 4h51
